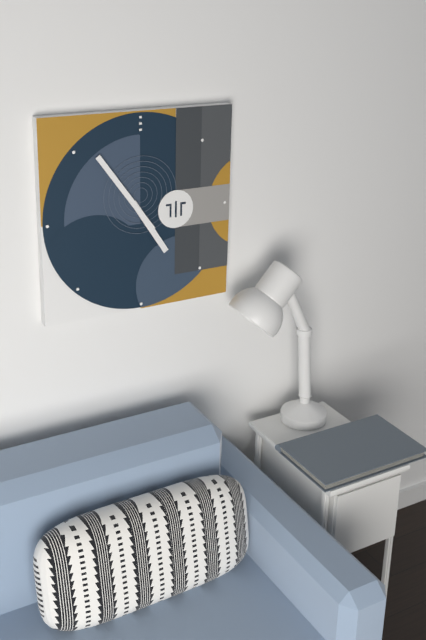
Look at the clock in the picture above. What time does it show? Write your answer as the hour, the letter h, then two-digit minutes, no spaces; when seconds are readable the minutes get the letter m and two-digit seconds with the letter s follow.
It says 4h54
